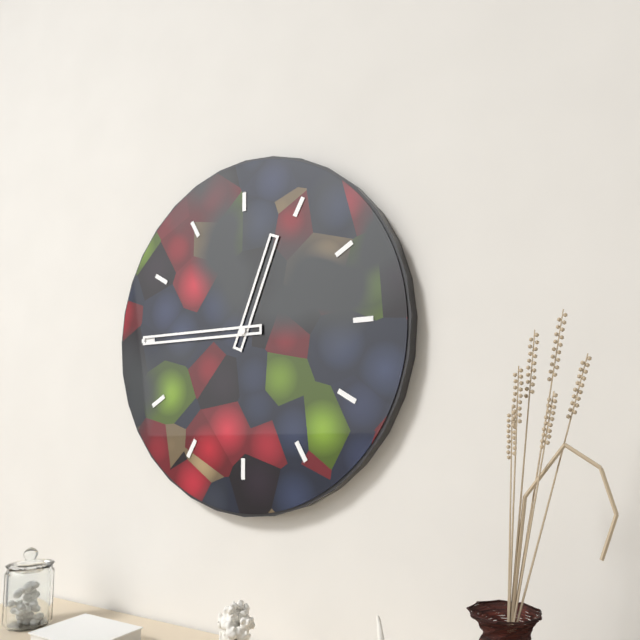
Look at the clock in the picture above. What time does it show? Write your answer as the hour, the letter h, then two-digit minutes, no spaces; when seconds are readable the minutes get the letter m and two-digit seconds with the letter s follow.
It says 12h45
